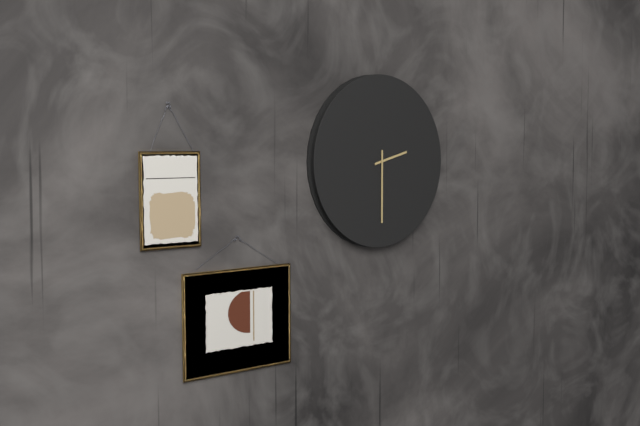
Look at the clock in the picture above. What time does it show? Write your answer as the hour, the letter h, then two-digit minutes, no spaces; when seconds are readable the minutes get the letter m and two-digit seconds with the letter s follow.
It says 2h30
